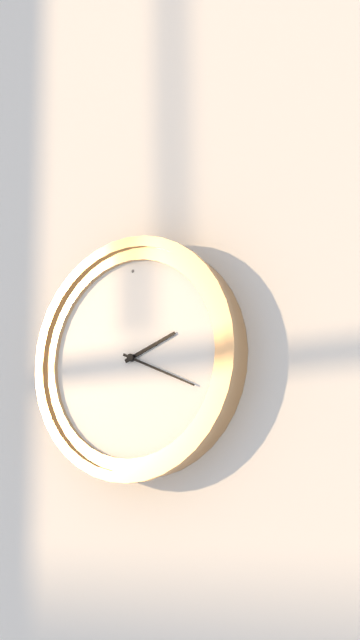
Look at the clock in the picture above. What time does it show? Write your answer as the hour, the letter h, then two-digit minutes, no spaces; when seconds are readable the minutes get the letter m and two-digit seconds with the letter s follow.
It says 2h19
